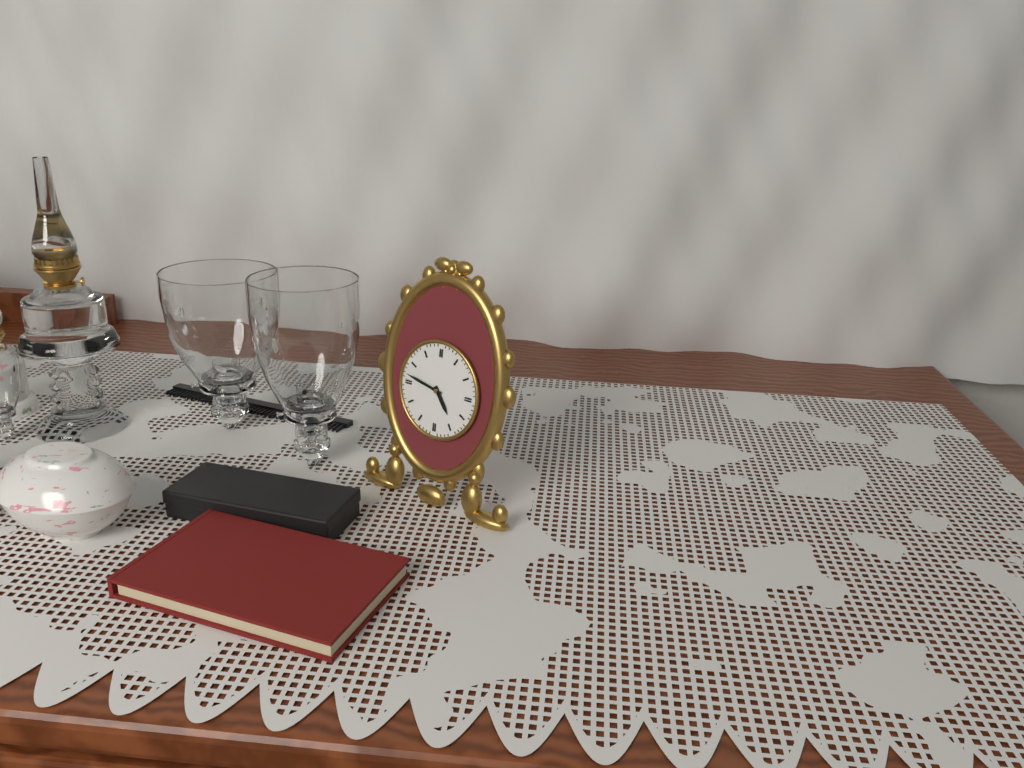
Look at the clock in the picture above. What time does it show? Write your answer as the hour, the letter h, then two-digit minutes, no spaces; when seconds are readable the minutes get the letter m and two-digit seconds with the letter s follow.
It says 4h47
